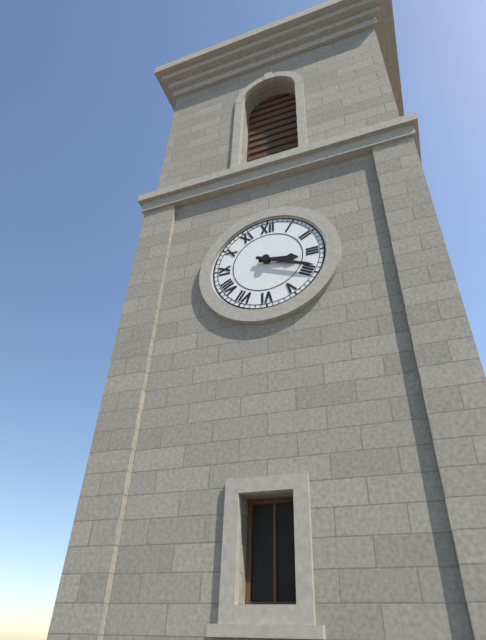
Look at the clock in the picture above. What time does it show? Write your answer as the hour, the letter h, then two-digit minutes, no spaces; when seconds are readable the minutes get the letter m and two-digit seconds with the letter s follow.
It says 3h19
